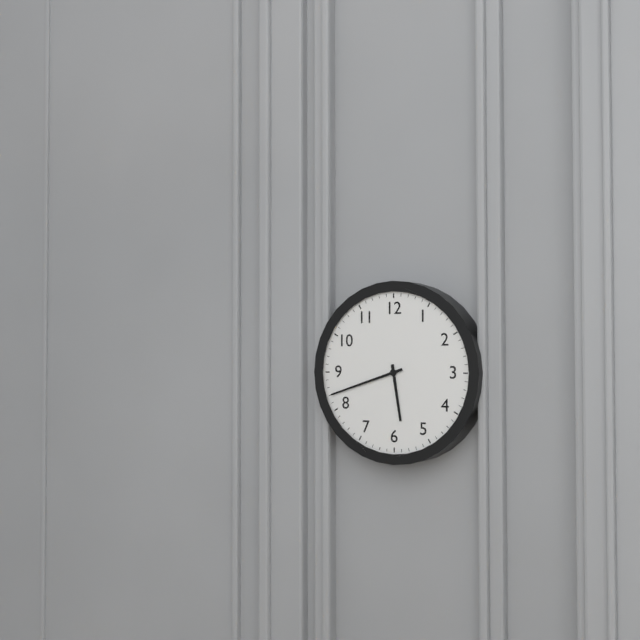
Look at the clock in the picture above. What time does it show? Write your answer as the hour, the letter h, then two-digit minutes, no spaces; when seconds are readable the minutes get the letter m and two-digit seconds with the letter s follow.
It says 5h42
